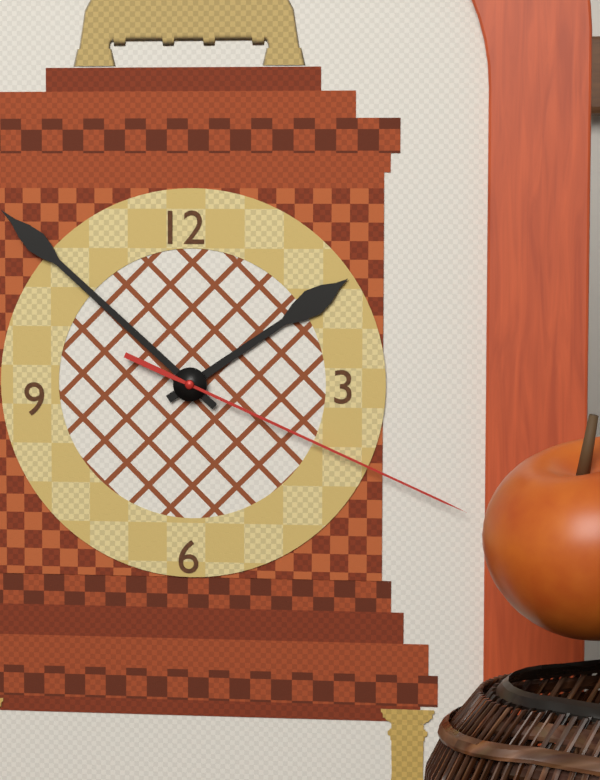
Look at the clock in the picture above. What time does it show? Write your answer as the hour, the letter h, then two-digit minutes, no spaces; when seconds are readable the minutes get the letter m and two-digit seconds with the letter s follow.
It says 1h52m19s
